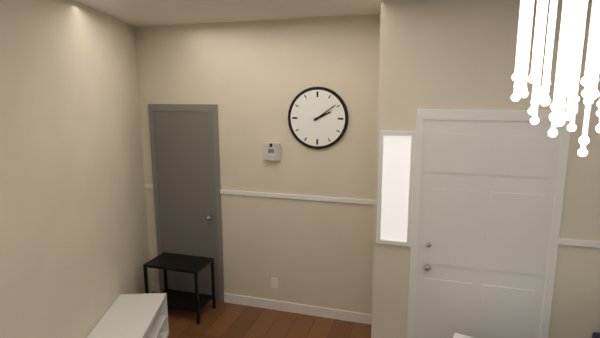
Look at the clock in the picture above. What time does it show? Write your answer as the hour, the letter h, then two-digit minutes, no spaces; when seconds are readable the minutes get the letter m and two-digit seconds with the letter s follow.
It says 2h09
